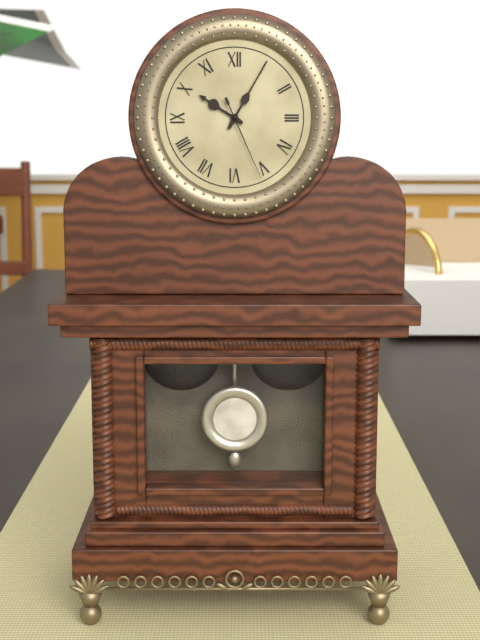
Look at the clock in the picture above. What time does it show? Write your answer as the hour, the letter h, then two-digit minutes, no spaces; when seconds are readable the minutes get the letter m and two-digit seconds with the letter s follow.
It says 10h05m26s
